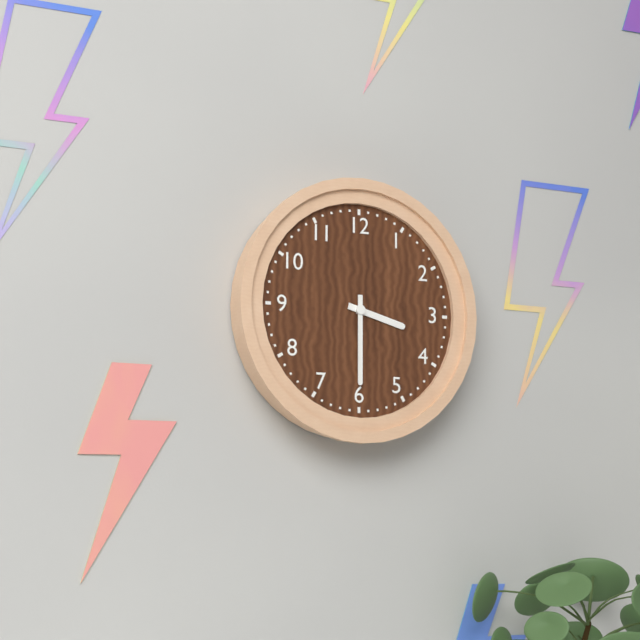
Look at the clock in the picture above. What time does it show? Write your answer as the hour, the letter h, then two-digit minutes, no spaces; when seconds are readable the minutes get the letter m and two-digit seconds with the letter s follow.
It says 3h30
